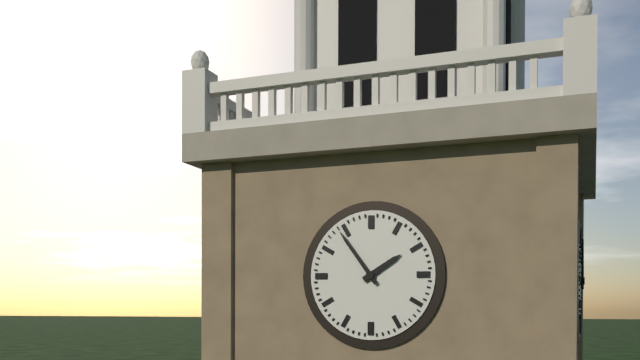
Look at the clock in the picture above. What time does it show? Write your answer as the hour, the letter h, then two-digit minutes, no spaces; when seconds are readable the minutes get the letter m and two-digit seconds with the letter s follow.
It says 1h54
